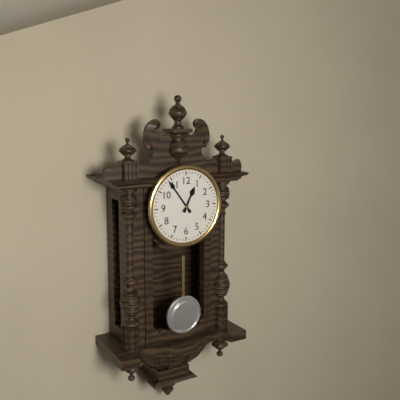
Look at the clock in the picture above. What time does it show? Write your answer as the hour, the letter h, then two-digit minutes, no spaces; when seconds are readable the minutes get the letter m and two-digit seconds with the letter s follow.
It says 12h54
